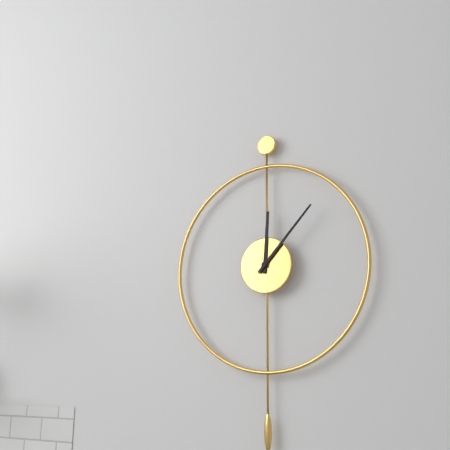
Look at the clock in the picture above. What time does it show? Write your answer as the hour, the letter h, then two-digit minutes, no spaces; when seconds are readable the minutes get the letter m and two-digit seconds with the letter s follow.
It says 12h07
